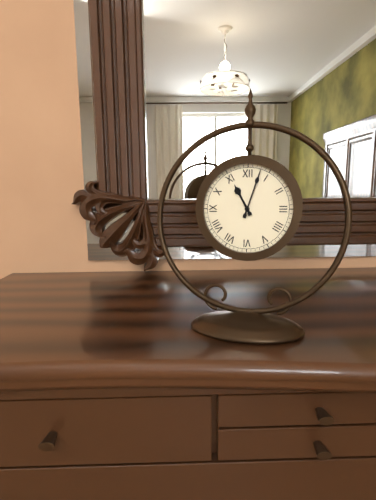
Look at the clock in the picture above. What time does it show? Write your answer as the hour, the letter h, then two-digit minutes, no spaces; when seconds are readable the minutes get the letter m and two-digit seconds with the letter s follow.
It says 11h03
